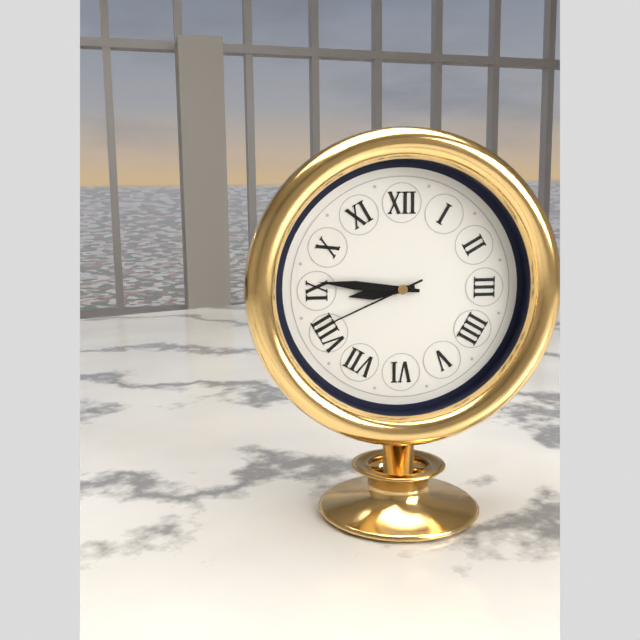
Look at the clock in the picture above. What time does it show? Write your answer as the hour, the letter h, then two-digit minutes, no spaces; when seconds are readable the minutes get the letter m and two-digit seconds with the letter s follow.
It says 8h46m41s
